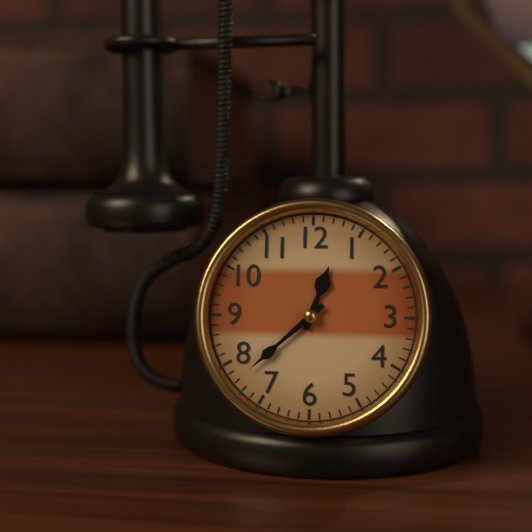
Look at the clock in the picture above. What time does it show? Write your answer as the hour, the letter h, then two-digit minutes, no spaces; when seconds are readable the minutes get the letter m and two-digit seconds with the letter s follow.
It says 12h38
